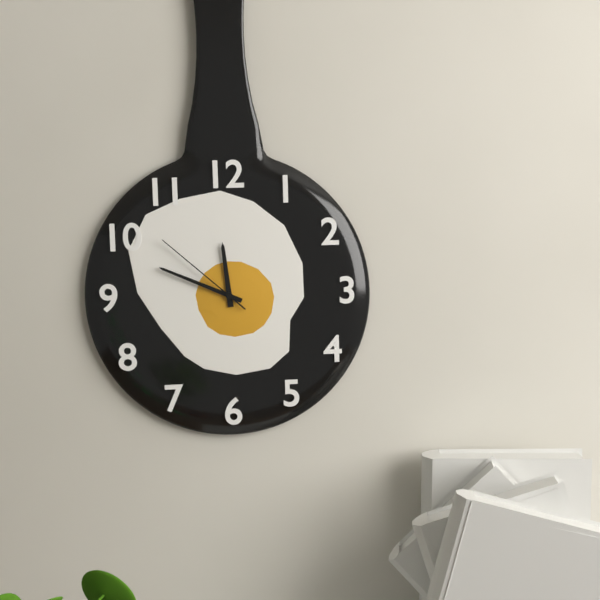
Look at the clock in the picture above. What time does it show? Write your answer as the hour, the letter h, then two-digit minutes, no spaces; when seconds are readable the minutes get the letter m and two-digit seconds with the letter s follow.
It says 11h49m52s
